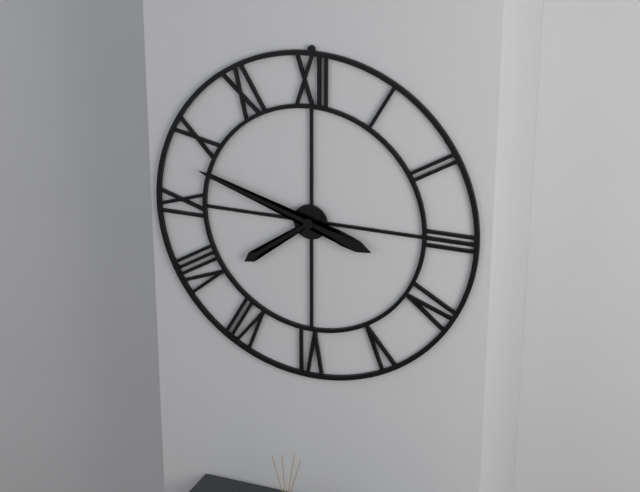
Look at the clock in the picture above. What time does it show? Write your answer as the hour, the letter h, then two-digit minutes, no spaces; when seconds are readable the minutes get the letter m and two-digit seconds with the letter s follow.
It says 7h48
